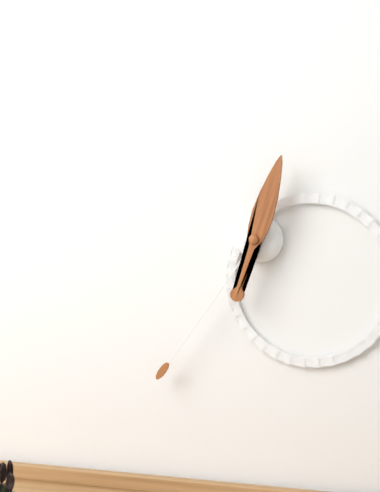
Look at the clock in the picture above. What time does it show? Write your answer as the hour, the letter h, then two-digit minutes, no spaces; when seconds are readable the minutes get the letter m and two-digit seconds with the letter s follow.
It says 12h36
